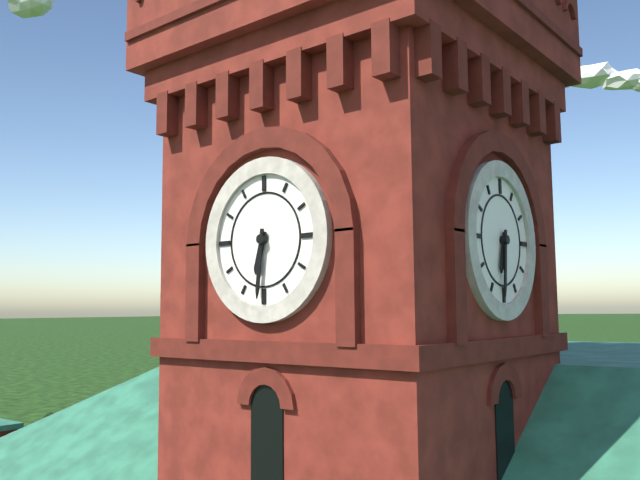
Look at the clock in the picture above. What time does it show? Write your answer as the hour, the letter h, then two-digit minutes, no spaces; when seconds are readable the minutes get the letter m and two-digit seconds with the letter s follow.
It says 6h31
